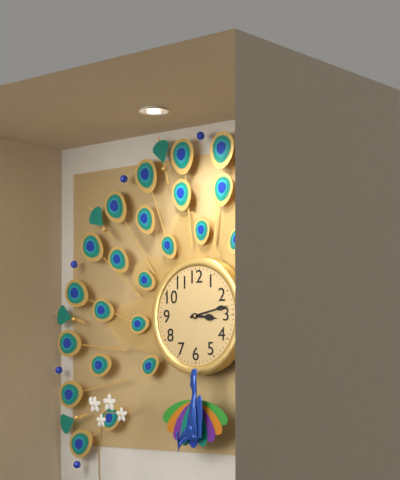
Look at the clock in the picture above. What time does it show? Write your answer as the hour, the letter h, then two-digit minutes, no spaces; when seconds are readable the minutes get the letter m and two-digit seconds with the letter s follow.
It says 3h13
